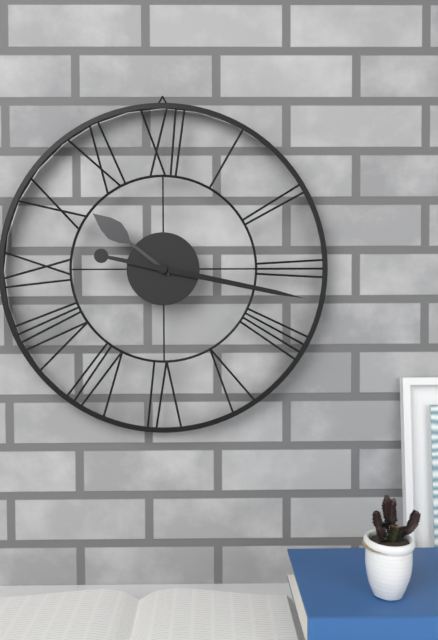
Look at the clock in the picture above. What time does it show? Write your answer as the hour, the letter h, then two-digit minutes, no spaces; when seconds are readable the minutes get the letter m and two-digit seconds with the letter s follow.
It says 10h17
